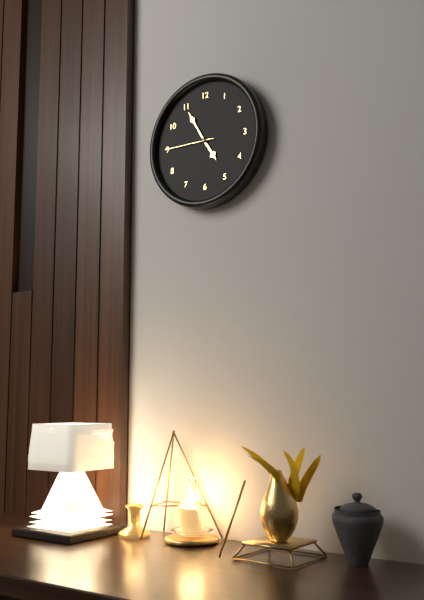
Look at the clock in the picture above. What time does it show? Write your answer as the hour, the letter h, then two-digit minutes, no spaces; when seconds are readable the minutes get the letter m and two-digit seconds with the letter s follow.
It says 4h55m45s
